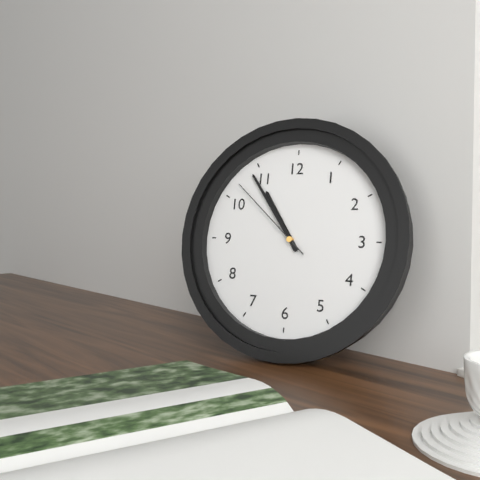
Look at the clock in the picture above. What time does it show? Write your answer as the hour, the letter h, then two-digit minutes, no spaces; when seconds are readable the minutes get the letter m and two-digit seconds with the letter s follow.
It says 10h54m52s
